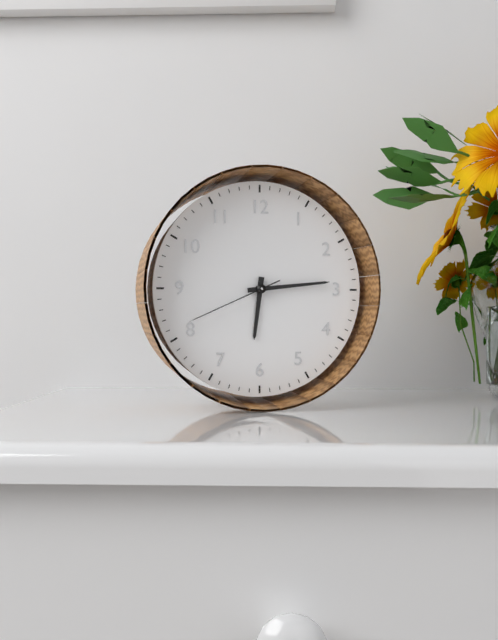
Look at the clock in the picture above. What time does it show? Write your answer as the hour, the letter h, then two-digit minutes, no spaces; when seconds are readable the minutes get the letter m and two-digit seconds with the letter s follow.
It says 6h14m41s
